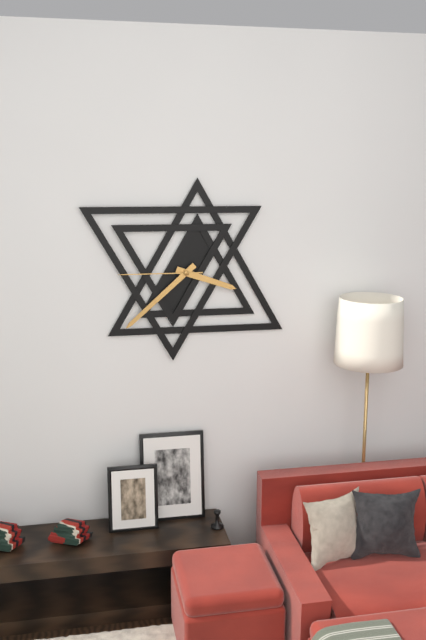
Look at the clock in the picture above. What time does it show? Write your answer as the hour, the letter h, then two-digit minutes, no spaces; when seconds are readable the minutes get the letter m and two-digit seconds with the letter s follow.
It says 3h38m45s
